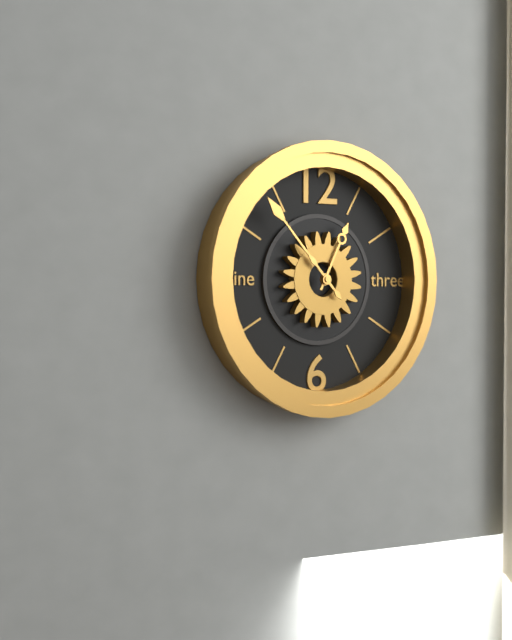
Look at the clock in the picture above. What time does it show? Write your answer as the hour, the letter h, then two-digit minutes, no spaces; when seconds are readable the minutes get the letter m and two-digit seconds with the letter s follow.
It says 12h53
